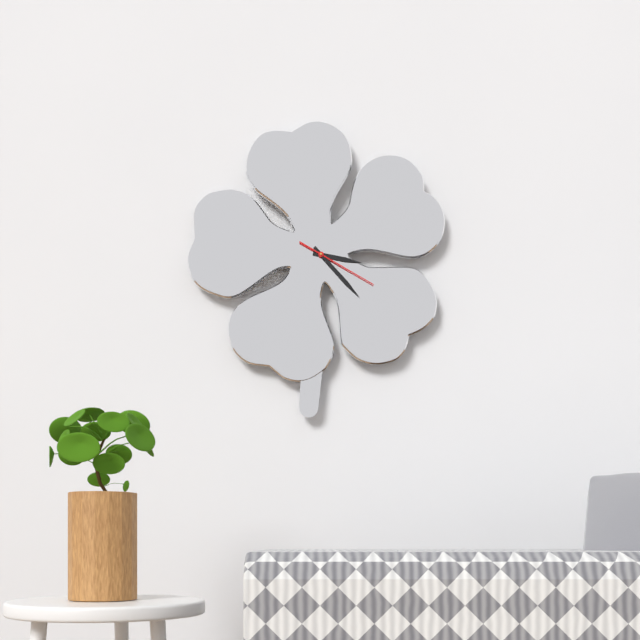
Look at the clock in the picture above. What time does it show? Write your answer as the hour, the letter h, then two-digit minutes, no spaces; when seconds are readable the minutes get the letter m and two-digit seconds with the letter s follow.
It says 3h23m20s
